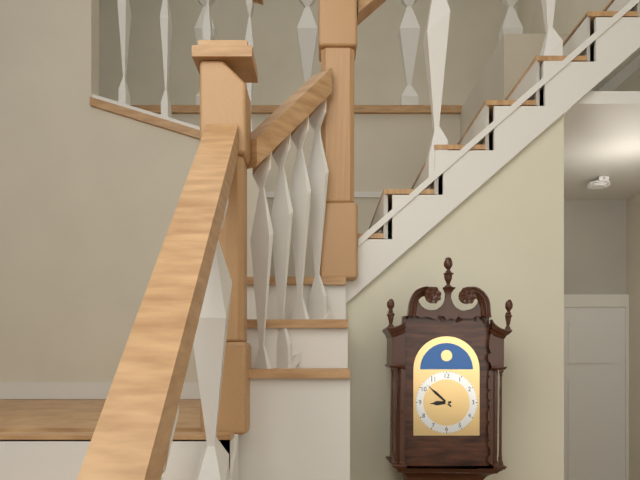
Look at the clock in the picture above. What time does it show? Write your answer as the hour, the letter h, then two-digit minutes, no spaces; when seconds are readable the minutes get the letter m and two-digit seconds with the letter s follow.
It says 8h52
